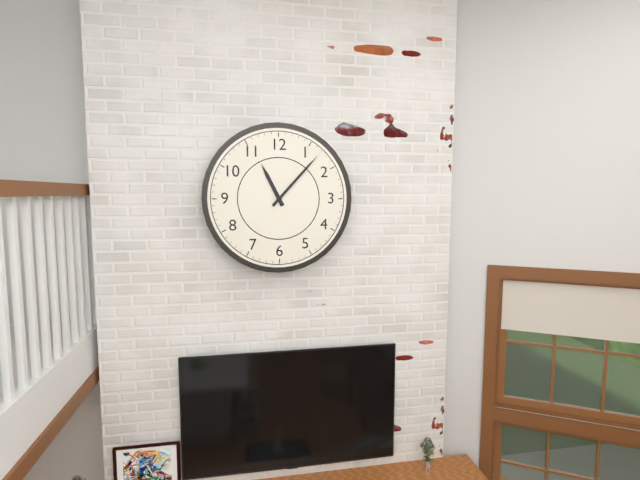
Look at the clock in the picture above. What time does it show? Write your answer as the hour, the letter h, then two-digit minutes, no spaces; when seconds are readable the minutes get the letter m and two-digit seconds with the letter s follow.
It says 11h07
